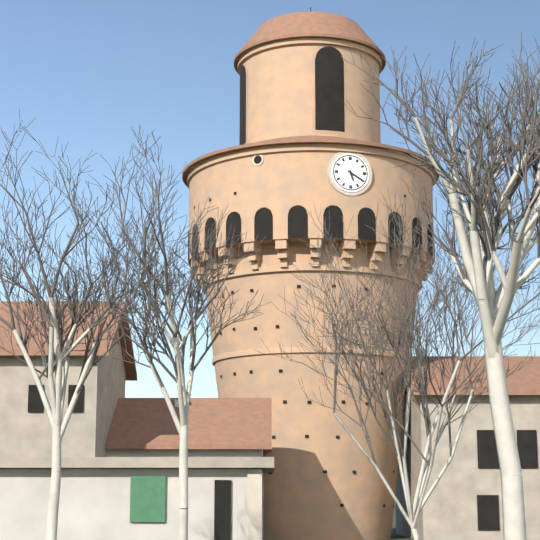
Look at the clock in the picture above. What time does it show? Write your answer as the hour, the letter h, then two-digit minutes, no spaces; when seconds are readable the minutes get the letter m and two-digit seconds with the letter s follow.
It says 5h20
